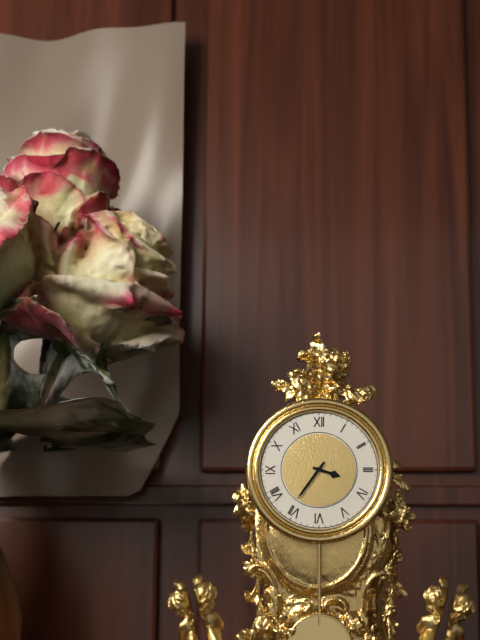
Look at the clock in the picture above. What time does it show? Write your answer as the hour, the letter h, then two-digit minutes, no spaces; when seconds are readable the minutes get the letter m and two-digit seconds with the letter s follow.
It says 3h36
